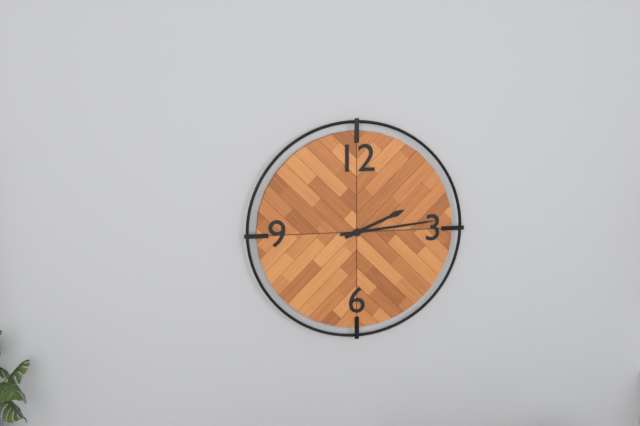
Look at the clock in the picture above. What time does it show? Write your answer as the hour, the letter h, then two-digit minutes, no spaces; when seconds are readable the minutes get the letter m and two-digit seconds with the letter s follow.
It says 2h14
